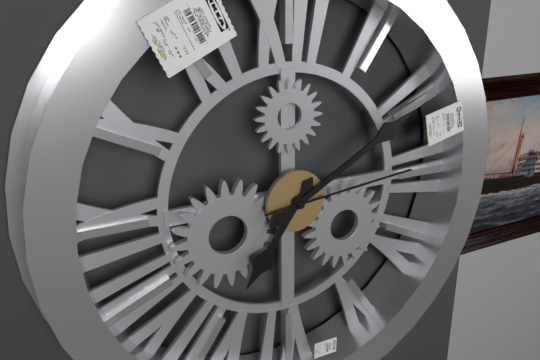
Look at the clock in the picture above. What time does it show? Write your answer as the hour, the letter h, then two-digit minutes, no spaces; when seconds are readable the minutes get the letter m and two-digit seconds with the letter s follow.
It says 7h10m14s
